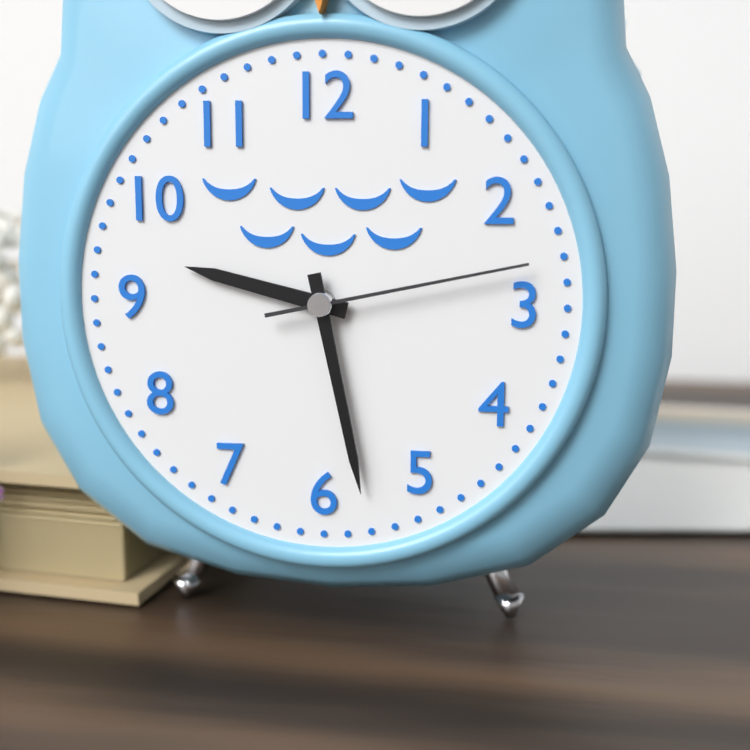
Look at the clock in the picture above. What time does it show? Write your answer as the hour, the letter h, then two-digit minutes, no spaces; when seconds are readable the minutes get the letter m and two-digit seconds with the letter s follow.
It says 9h28m13s
